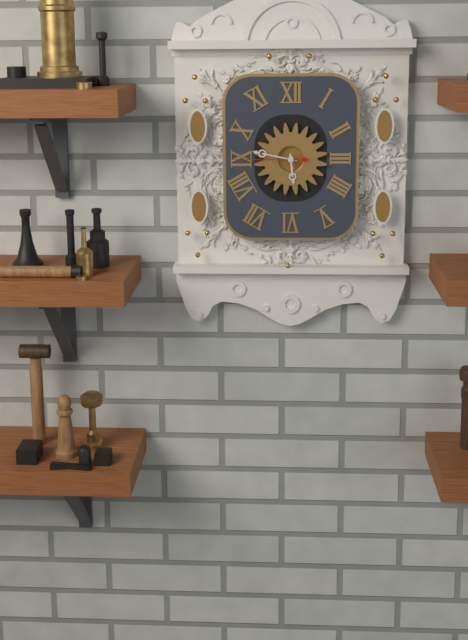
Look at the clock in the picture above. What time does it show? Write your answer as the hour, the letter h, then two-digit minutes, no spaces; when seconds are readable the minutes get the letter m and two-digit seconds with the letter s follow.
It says 5h47m45s
